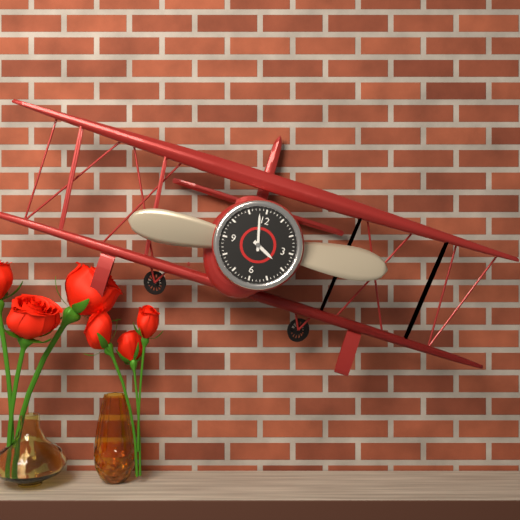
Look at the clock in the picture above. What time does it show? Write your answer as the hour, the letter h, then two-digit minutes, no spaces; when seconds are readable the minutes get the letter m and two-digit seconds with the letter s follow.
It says 3h58
